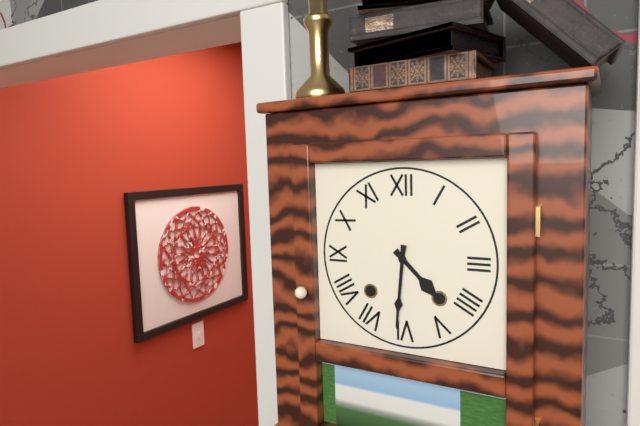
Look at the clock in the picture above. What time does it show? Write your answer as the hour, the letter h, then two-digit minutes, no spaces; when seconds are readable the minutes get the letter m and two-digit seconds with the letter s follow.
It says 4h31
